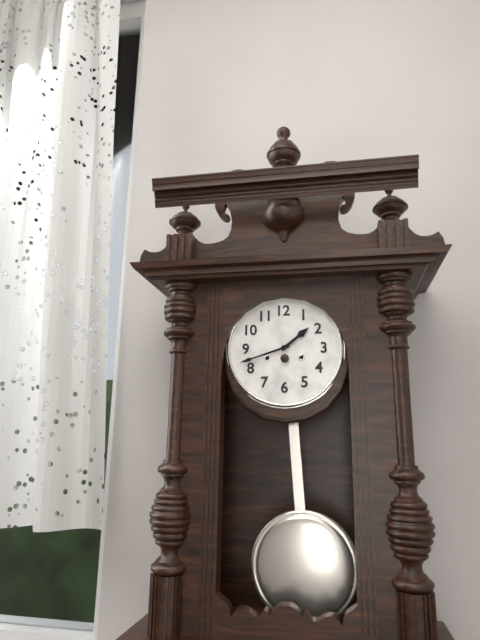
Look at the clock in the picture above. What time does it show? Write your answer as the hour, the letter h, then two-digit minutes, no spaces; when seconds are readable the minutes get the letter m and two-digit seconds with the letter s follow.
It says 1h42
